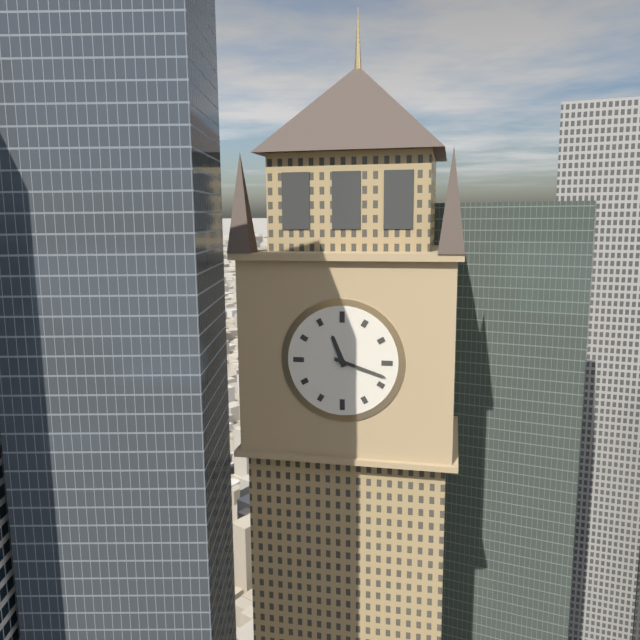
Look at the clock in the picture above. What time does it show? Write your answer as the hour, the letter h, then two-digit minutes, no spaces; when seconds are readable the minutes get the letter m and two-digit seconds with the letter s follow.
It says 11h18
